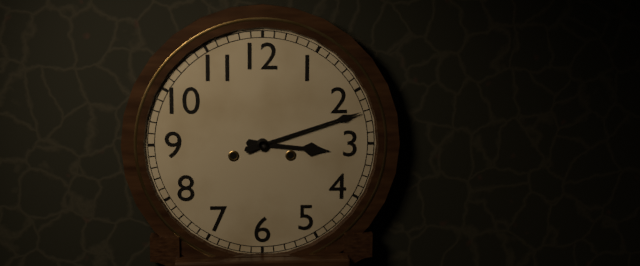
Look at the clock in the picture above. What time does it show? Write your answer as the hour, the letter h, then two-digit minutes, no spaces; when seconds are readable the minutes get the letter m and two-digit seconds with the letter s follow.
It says 3h12
